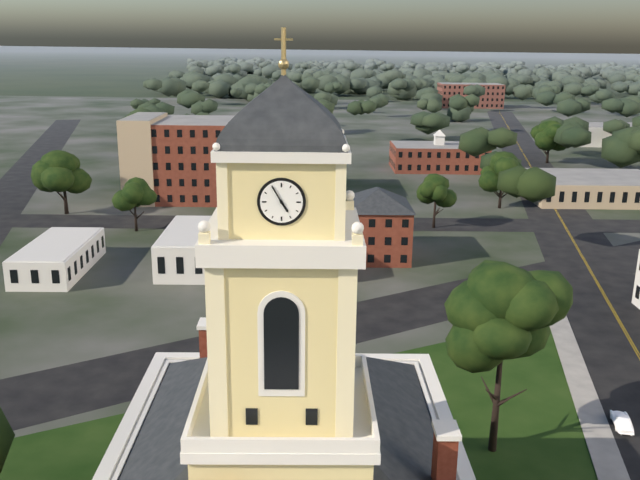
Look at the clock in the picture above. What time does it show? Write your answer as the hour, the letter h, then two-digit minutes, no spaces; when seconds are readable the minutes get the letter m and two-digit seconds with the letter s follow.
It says 4h55
